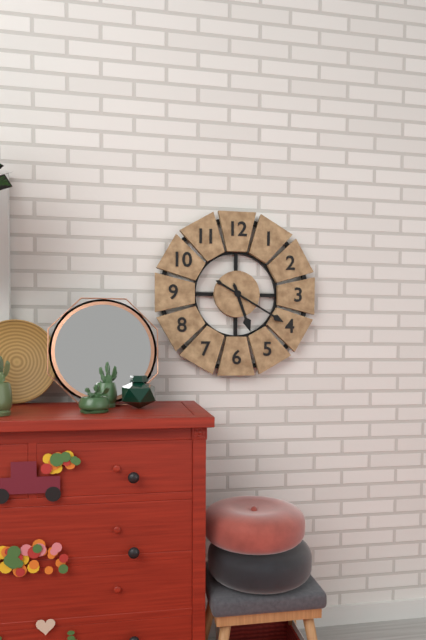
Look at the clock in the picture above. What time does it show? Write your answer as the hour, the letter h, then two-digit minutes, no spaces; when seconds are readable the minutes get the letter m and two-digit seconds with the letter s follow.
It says 5h20
